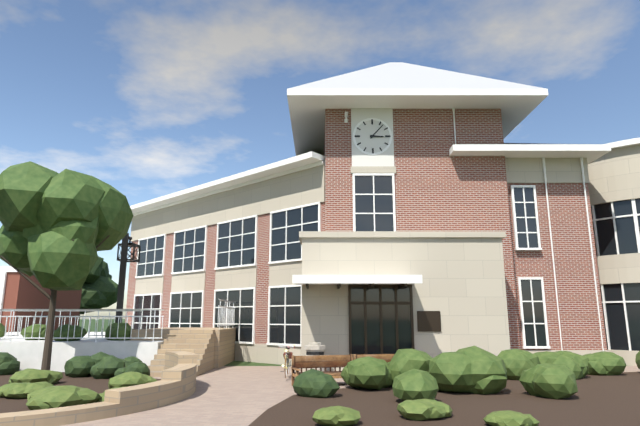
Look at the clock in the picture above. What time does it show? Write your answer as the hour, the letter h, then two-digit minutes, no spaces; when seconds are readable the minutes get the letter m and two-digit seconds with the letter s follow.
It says 3h07
